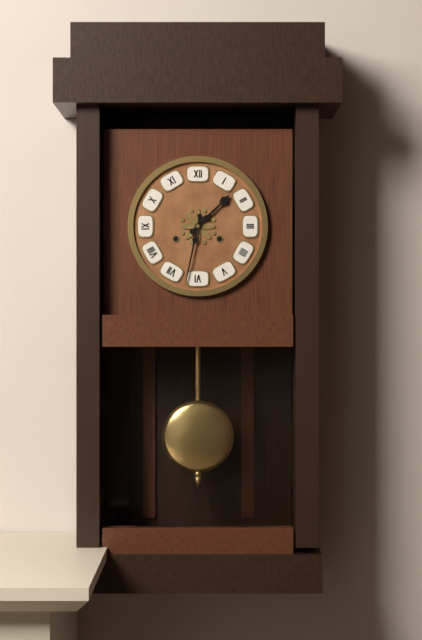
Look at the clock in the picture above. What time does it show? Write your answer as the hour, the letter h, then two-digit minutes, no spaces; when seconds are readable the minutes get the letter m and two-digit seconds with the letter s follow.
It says 1h32
